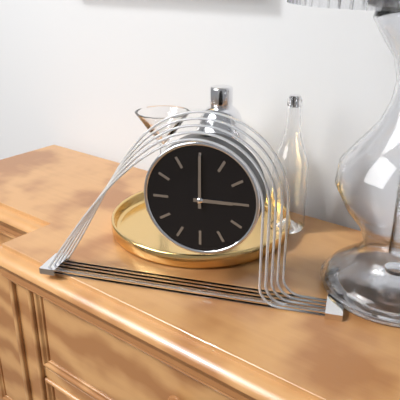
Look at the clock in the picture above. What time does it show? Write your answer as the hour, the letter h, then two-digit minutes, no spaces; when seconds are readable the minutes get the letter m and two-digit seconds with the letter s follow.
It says 3h00
